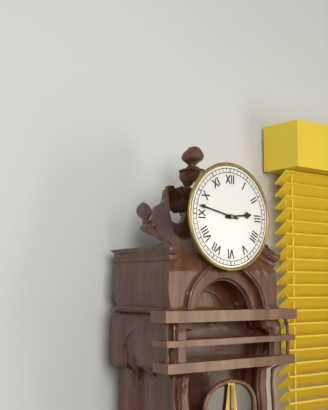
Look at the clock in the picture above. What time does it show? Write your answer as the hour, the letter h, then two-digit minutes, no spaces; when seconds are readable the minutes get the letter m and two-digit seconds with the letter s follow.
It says 2h47
